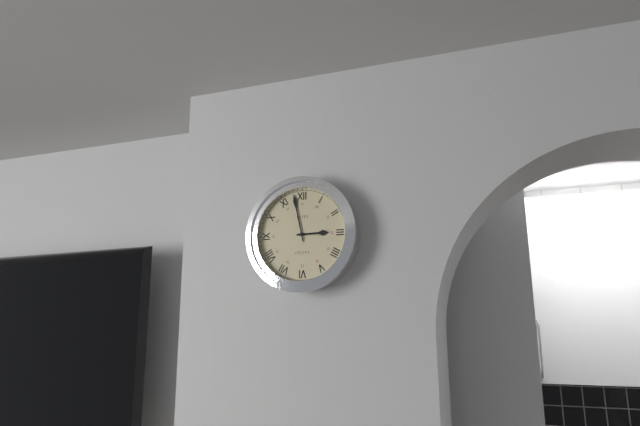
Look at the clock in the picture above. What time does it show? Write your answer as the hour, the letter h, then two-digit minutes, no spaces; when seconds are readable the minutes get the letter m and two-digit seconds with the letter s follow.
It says 2h58
